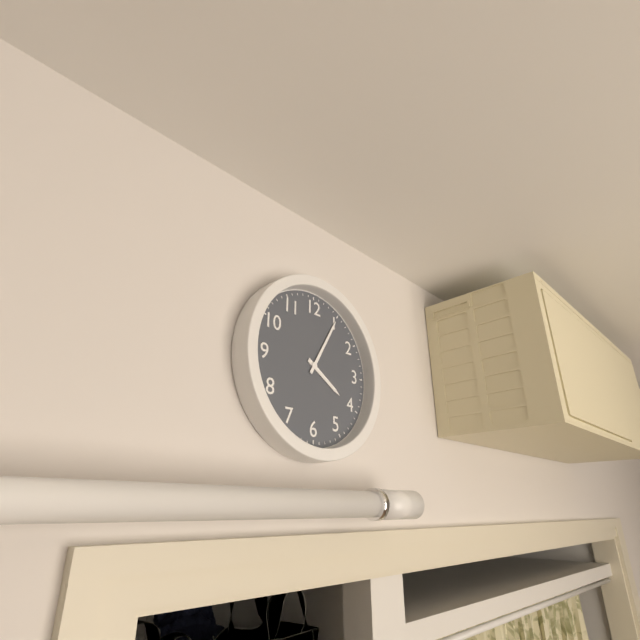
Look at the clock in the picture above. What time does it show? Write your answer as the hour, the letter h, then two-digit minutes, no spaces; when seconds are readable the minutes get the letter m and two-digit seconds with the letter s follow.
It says 4h05
